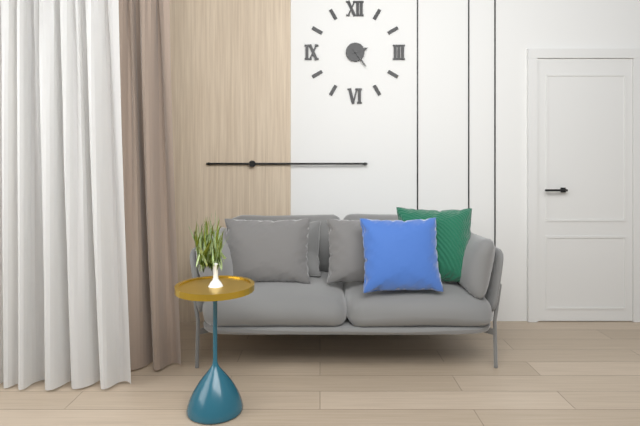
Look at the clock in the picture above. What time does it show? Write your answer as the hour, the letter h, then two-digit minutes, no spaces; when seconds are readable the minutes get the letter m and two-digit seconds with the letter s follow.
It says 2h24
